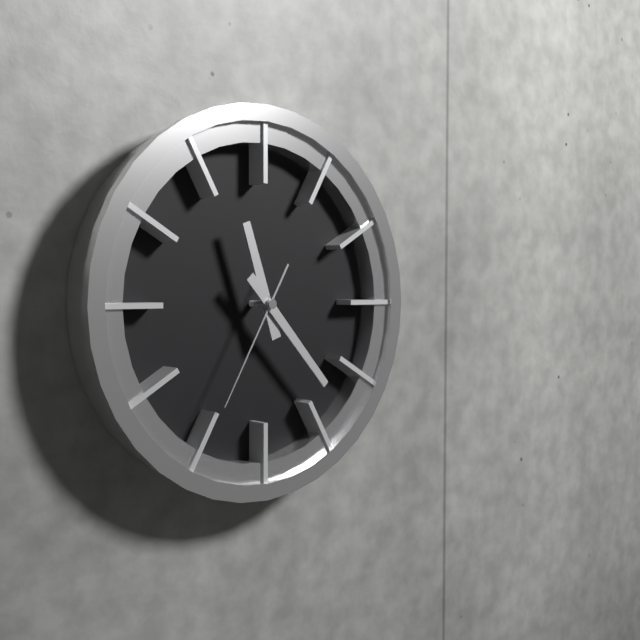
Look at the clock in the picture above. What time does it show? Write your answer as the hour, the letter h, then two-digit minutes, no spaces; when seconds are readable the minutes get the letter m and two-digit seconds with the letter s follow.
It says 11h23m35s
